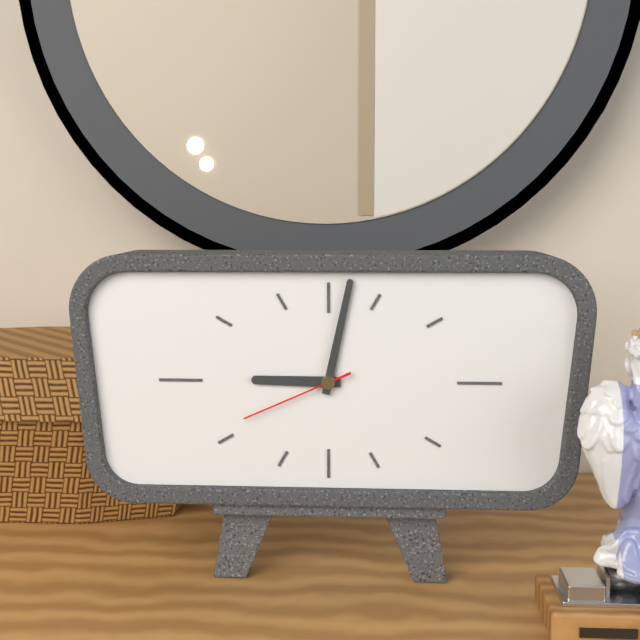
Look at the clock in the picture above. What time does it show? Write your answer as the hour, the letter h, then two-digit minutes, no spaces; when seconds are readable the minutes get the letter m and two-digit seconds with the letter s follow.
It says 9h02m41s
